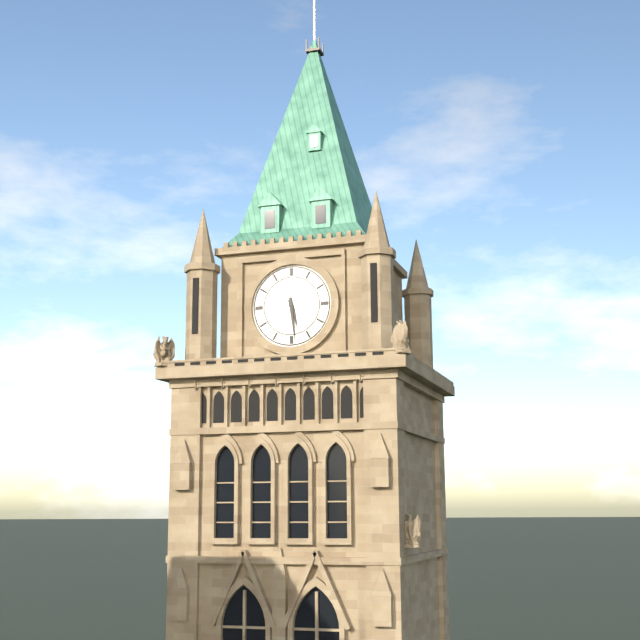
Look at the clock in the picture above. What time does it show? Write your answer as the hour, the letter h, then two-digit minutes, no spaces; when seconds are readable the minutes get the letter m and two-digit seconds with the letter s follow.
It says 5h29
